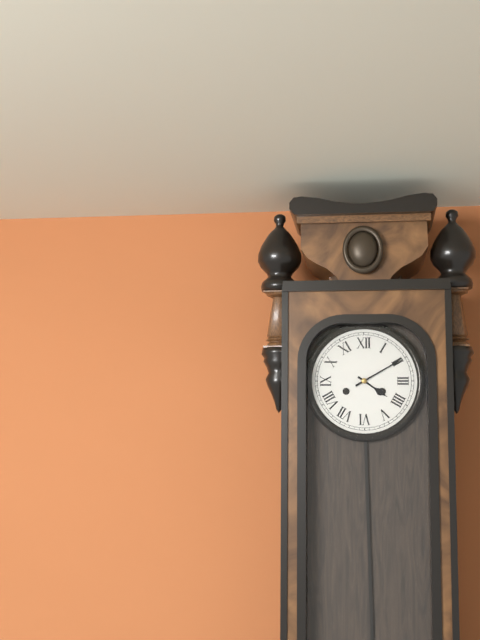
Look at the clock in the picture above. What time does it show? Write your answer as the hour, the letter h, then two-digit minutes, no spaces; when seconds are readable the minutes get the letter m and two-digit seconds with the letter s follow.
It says 4h10
